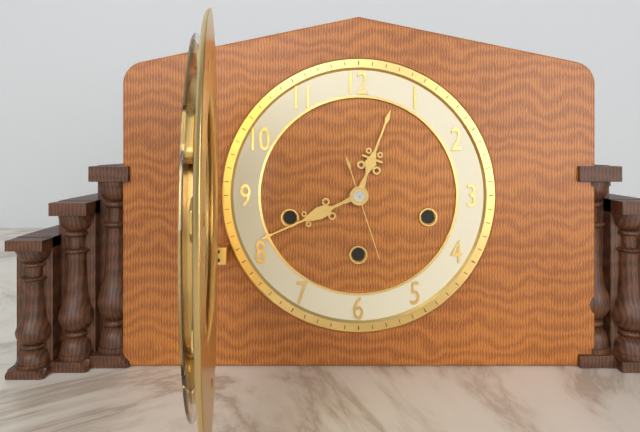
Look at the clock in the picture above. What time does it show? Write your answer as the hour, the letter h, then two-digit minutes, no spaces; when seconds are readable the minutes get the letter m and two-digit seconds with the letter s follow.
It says 12h41m27s
